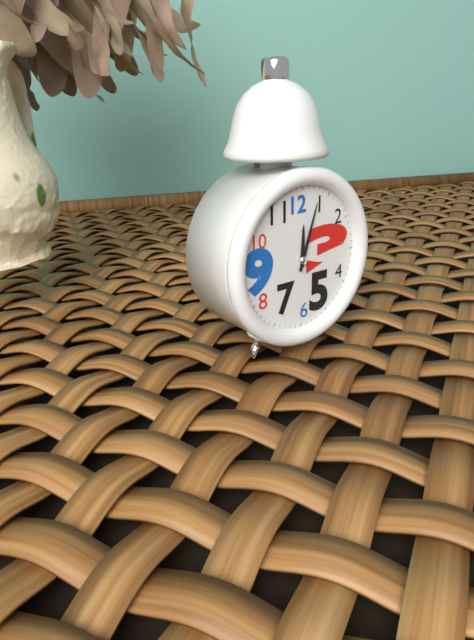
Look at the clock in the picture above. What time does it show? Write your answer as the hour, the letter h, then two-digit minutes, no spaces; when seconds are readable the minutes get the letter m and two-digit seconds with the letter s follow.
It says 12h03
